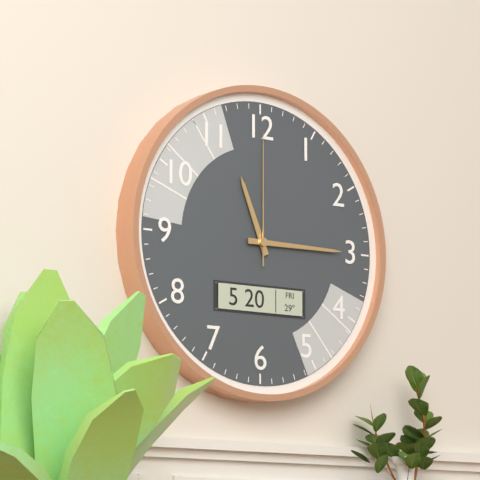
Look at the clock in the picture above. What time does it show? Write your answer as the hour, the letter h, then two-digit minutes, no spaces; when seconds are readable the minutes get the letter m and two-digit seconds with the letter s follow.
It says 11h15m00s
